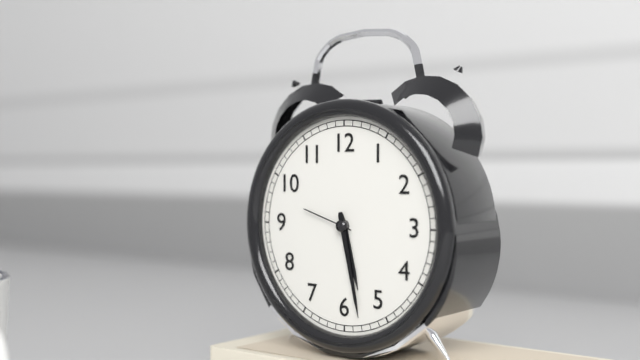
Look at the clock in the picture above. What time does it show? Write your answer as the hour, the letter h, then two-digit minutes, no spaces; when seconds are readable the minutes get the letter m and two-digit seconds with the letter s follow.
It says 5h28m48s
